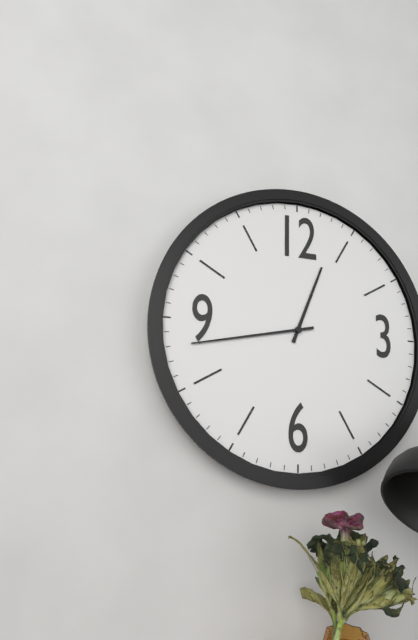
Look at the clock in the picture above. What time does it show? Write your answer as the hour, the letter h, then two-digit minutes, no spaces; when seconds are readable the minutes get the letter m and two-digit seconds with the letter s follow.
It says 12h43
